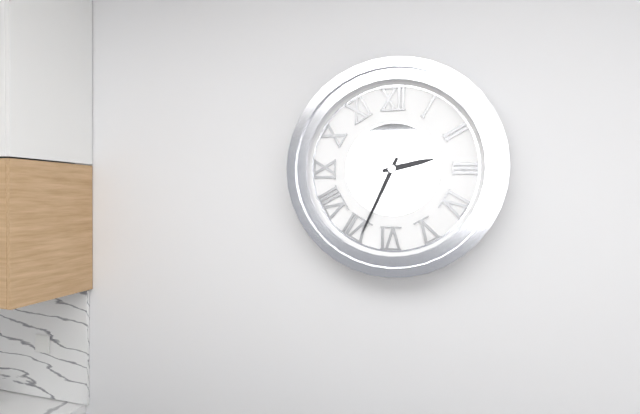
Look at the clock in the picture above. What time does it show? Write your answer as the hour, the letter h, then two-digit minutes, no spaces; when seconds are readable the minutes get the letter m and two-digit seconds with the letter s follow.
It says 2h34
